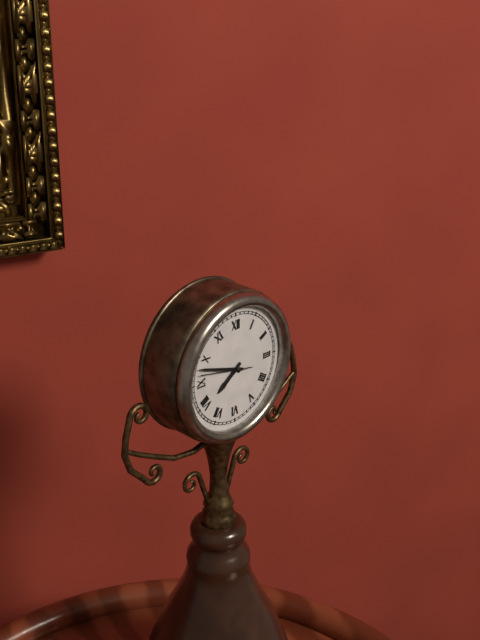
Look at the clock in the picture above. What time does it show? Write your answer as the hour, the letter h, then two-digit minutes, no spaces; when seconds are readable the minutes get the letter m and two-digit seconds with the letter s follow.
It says 7h48
